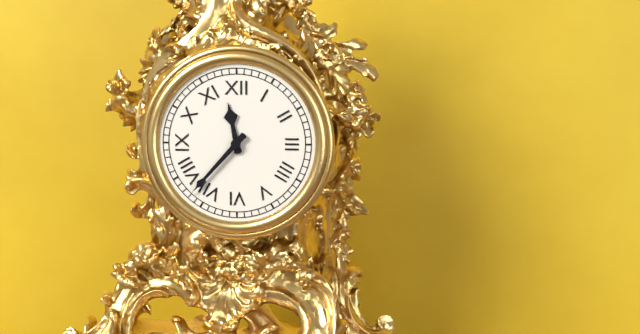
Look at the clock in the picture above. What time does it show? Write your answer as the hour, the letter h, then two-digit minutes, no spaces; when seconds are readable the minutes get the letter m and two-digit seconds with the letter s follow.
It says 11h37
